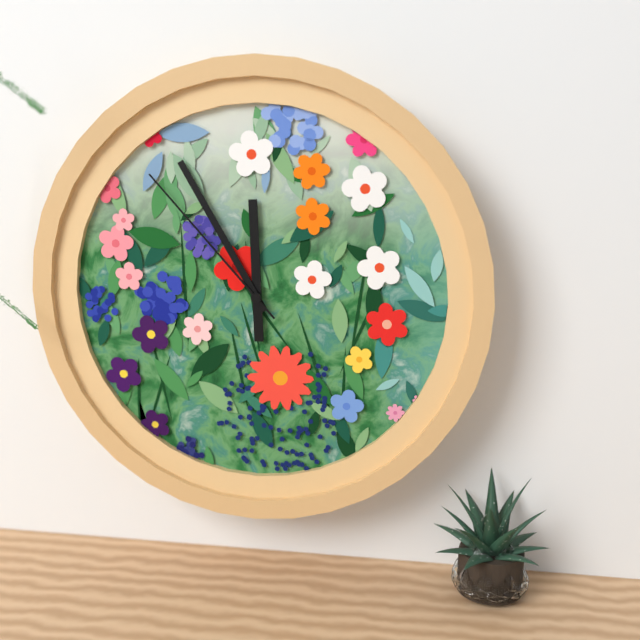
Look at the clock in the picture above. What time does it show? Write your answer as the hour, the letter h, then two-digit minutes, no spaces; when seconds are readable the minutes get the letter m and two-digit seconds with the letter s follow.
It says 11h55m53s
